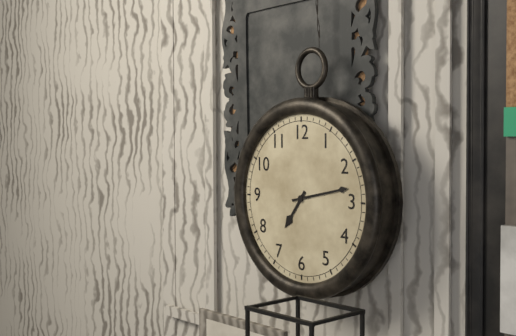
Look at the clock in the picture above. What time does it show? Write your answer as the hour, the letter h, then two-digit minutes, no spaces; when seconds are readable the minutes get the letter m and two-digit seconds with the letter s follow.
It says 7h13
